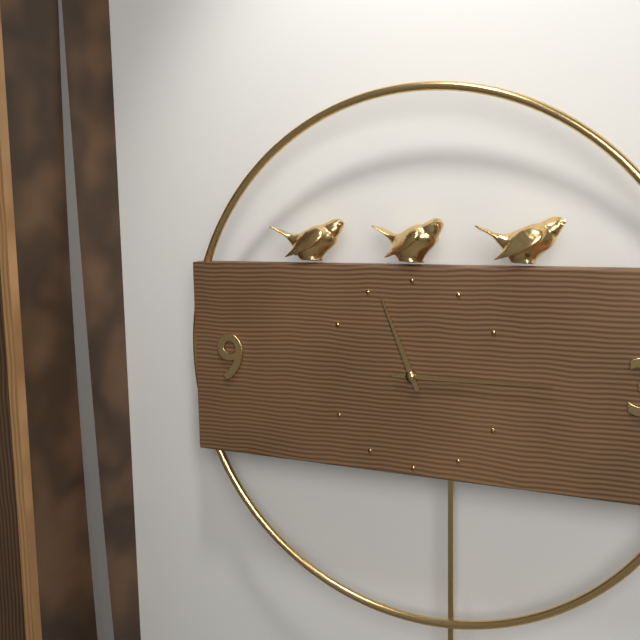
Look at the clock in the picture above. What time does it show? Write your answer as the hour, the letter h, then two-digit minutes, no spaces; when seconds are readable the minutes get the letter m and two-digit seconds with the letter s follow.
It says 11h15
